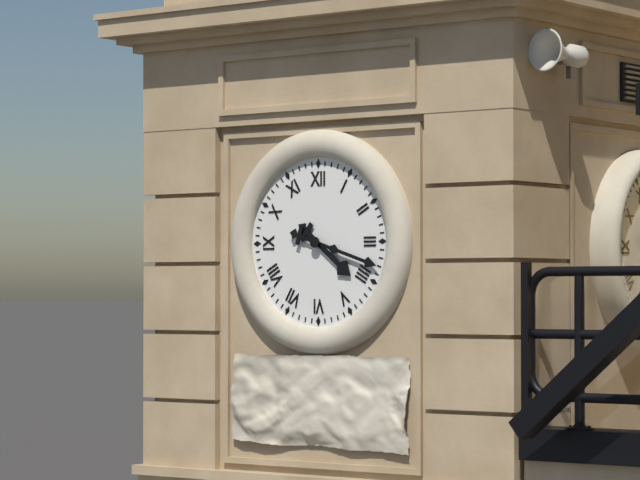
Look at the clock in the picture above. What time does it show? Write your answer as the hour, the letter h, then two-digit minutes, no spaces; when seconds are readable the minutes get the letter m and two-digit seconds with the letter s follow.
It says 4h18
